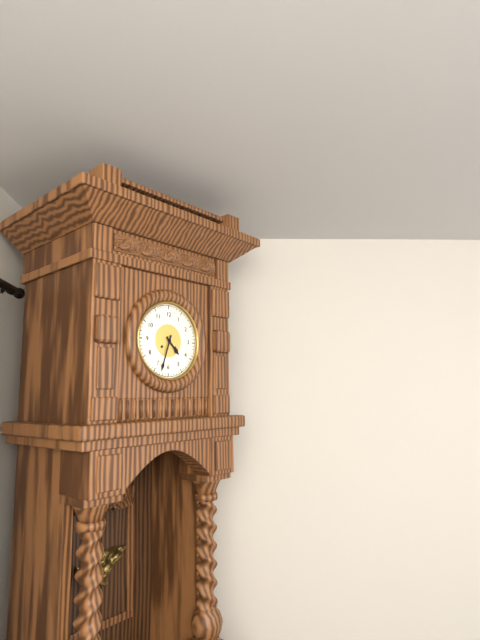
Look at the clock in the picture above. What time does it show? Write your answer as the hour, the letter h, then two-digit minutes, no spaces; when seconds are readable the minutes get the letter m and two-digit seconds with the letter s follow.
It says 4h33
